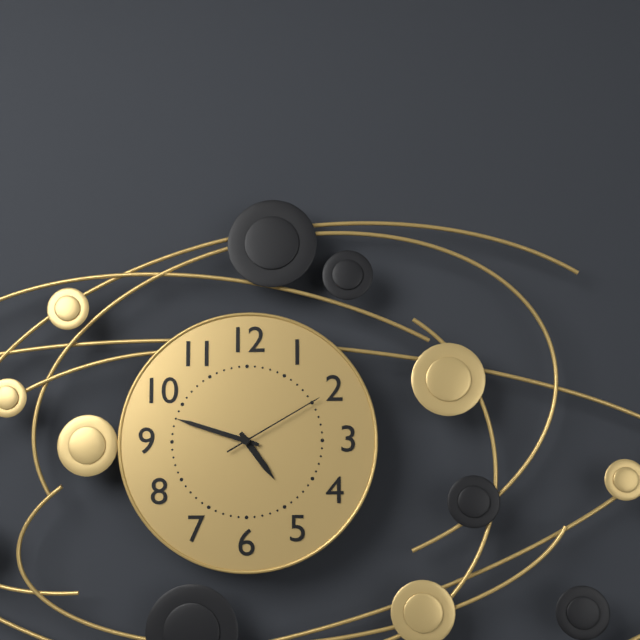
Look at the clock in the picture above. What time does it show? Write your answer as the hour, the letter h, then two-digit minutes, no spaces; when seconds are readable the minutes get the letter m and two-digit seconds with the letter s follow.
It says 4h48m10s
